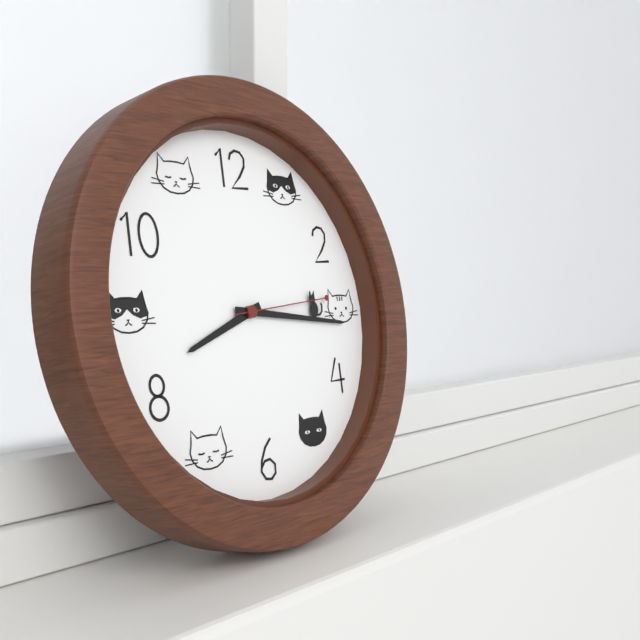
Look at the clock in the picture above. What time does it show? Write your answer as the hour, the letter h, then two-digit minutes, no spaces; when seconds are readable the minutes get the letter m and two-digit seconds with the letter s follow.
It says 8h16m14s
